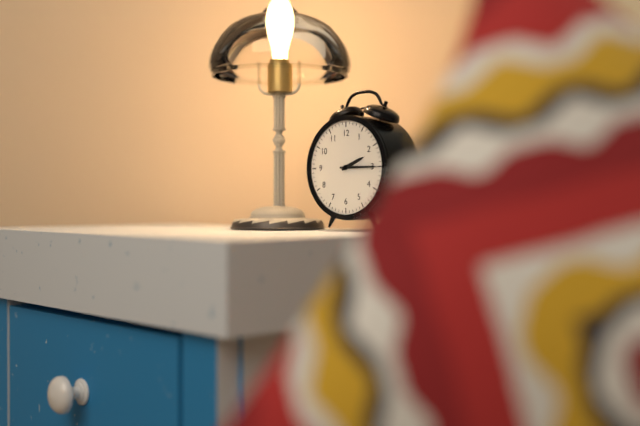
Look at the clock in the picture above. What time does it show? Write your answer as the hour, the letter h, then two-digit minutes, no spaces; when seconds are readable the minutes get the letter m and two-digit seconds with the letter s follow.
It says 2h15
